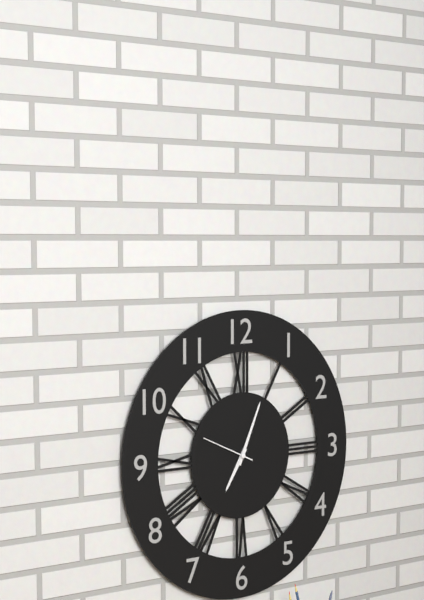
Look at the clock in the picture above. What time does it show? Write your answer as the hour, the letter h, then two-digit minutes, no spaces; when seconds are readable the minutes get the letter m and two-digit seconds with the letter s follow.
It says 7h04
